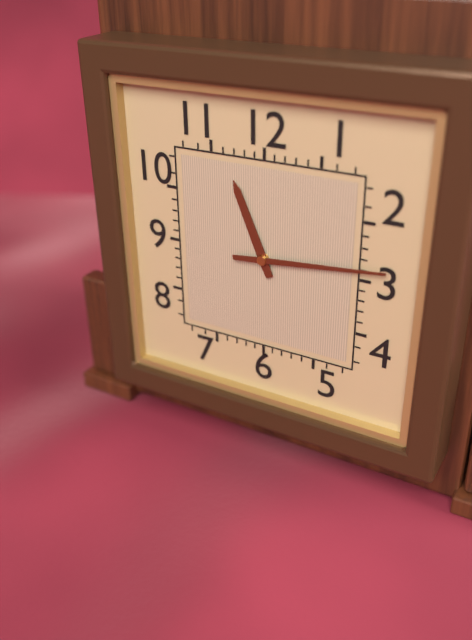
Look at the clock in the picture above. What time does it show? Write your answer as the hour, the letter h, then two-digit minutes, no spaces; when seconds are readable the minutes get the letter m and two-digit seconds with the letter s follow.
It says 11h14
